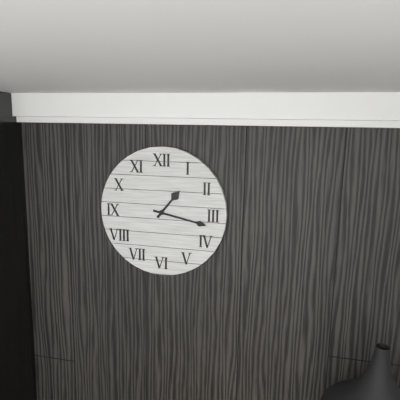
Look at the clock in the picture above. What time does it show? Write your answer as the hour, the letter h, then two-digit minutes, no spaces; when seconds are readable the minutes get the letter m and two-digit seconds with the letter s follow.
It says 1h17
